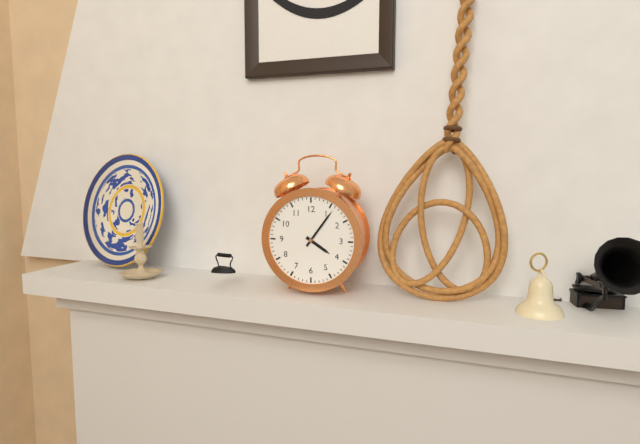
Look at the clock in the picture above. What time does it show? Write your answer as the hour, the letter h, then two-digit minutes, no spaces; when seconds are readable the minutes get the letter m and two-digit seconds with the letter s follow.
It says 4h06
